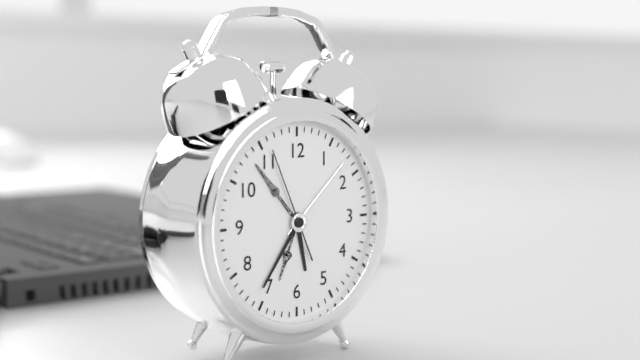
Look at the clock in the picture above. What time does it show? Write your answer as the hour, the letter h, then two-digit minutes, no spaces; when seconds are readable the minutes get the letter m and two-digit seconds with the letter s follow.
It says 5h36m56s
